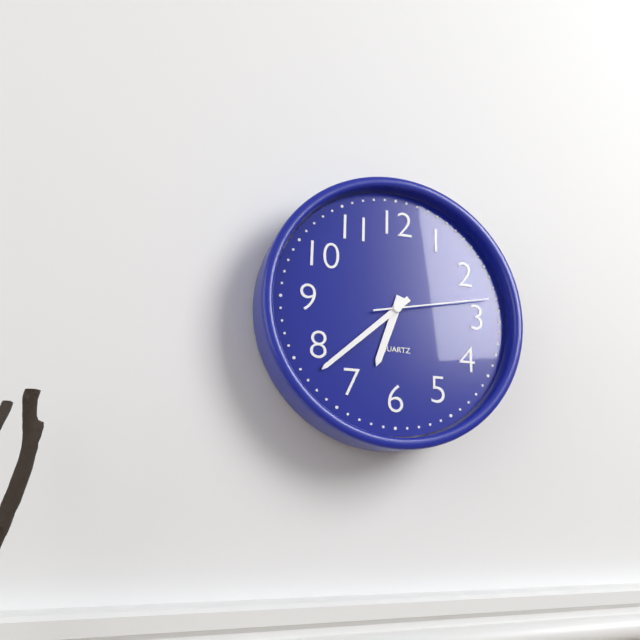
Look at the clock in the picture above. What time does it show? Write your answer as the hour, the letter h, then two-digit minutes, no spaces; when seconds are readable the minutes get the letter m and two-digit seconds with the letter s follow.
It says 6h38m13s
